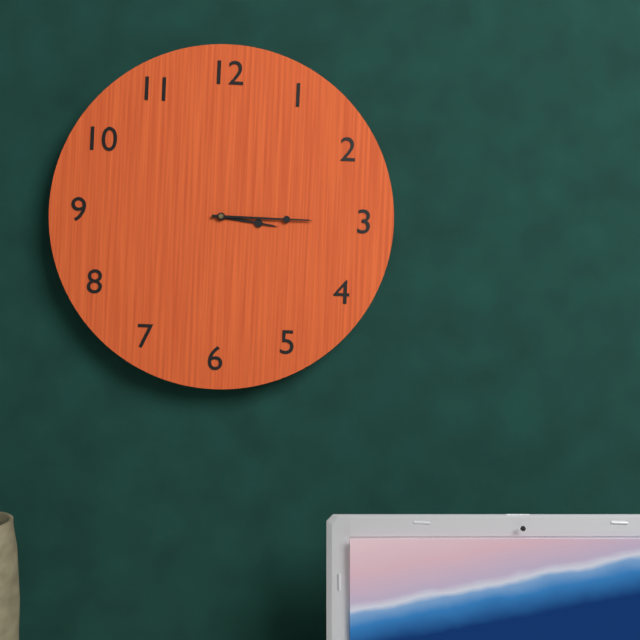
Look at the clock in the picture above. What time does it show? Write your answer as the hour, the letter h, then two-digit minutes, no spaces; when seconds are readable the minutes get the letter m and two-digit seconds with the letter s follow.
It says 3h15
